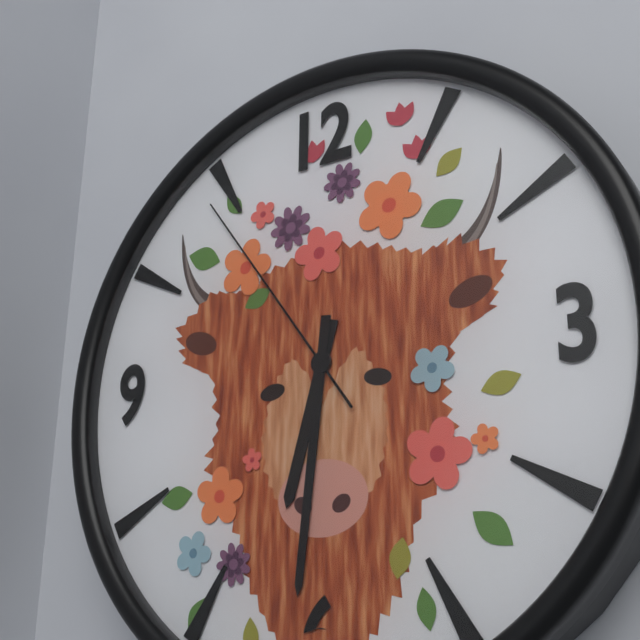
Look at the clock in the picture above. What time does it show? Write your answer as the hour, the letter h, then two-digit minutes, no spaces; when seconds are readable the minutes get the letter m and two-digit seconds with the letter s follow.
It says 6h31m54s
